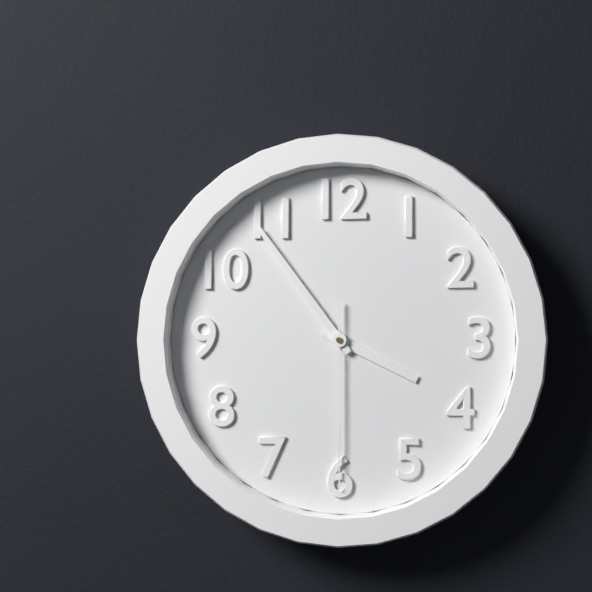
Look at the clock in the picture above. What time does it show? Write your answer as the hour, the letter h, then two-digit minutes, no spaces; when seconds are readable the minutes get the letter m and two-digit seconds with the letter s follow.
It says 3h54m30s
